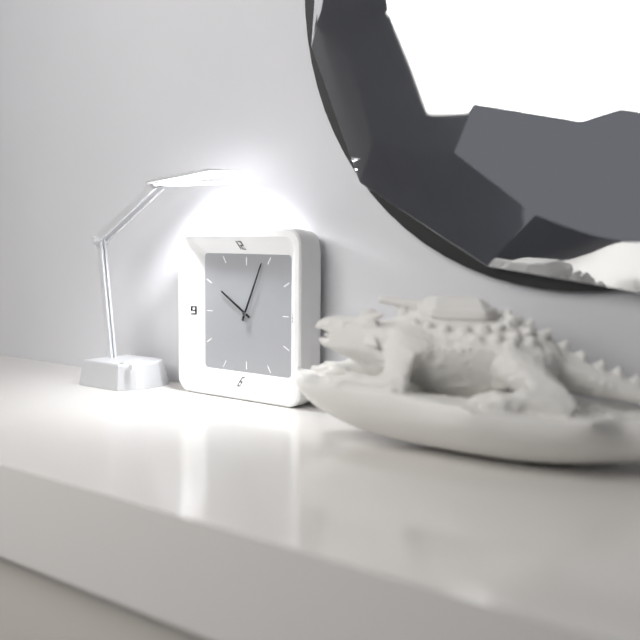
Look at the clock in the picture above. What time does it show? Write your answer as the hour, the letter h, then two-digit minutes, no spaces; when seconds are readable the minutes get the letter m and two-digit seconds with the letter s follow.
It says 10h04
